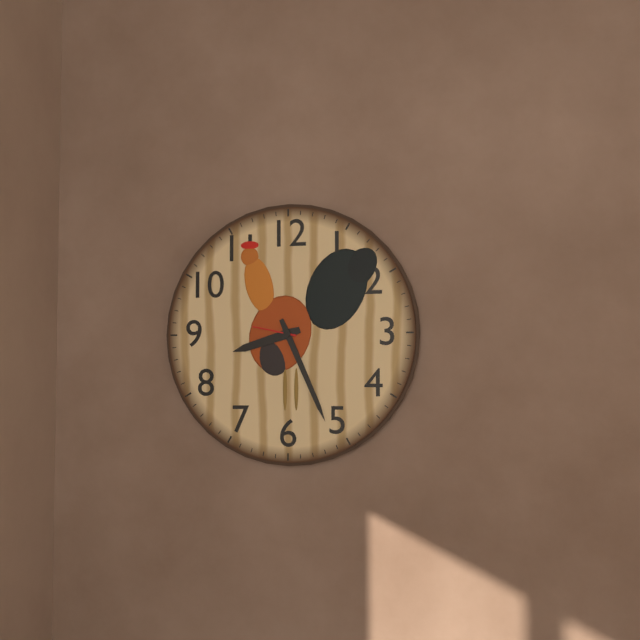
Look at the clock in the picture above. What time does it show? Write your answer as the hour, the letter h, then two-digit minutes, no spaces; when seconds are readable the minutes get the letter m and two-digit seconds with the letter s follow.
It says 8h26m47s
